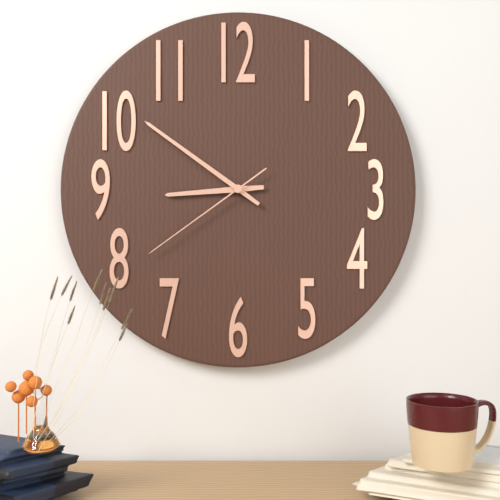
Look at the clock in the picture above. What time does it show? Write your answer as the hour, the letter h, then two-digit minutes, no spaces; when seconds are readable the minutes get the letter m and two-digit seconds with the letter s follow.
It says 8h51m39s
